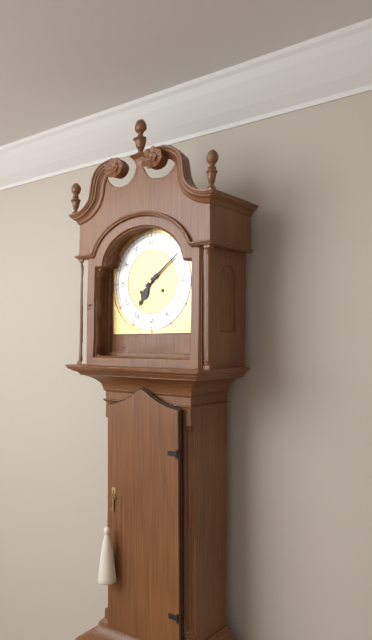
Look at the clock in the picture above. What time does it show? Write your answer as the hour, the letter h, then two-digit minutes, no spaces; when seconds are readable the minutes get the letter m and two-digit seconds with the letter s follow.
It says 7h09
